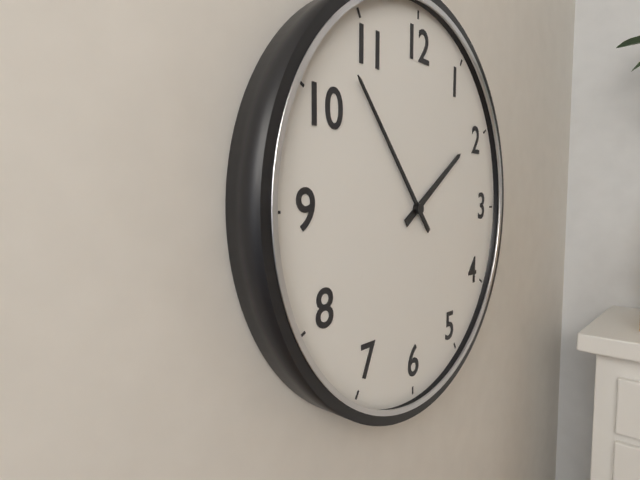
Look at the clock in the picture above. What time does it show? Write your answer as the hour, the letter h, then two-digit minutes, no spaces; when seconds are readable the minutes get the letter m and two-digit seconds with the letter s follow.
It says 1h53
